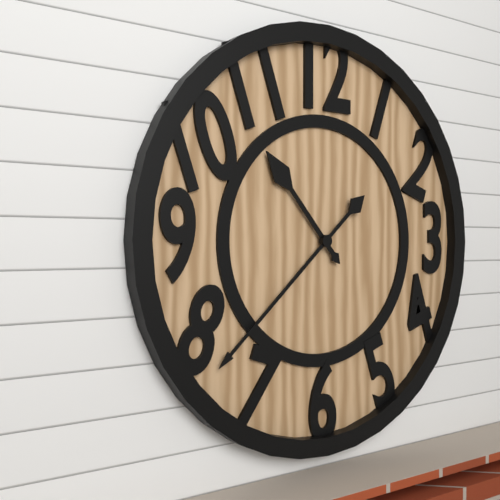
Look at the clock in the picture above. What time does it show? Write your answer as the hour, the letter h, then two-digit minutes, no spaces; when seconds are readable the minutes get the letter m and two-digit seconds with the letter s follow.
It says 10h38
